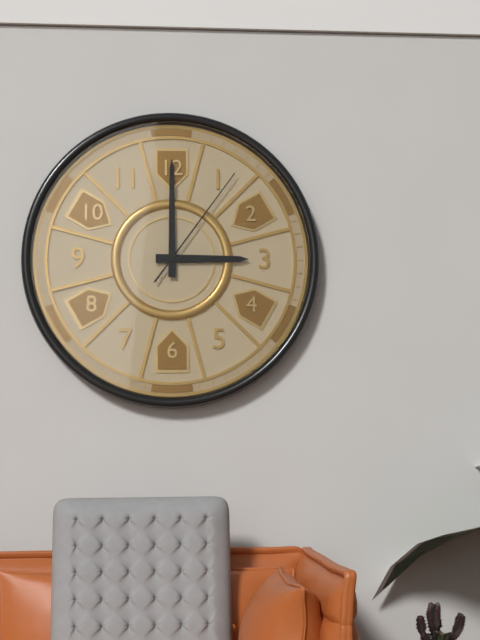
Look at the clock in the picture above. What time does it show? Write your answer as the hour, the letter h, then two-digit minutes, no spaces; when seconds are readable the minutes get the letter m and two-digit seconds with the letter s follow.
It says 3h00m06s
